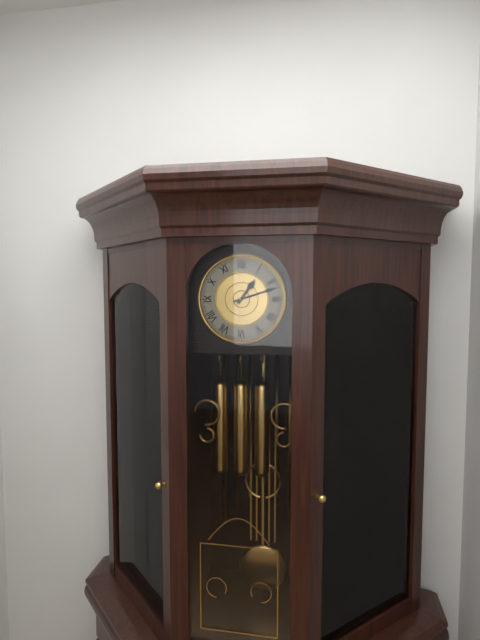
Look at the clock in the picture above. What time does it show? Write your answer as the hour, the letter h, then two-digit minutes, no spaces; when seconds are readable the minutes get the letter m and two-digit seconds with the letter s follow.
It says 1h12
